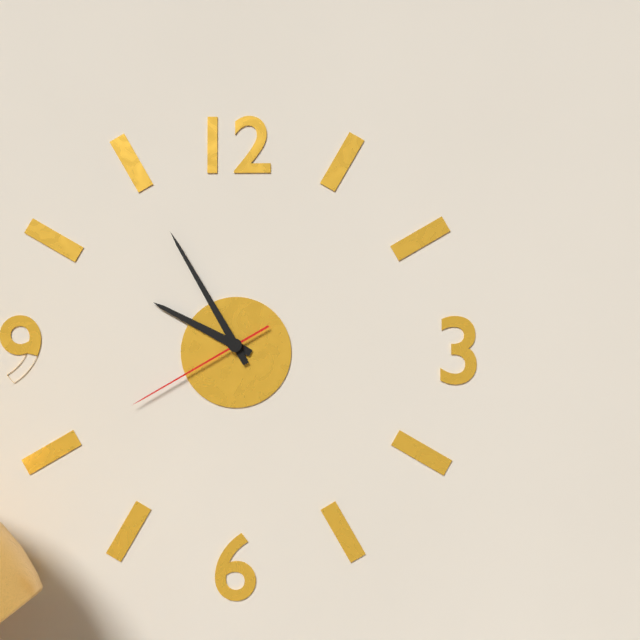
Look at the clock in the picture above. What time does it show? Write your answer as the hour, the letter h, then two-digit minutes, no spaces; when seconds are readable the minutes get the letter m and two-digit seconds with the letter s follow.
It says 9h55m40s
